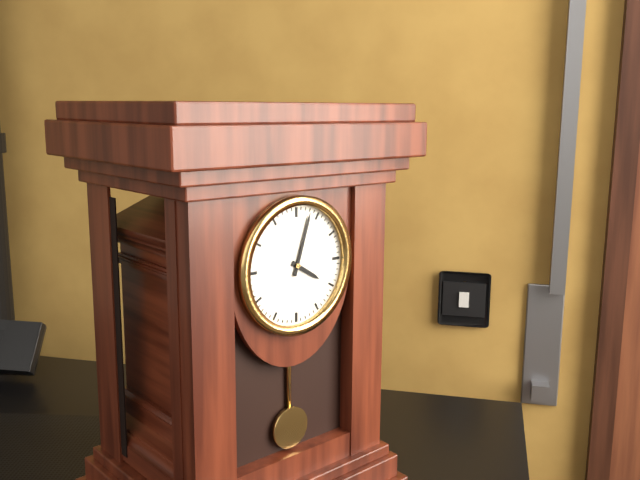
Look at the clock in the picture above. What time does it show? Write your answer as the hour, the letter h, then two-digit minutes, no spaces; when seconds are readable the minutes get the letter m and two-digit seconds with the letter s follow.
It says 4h03
